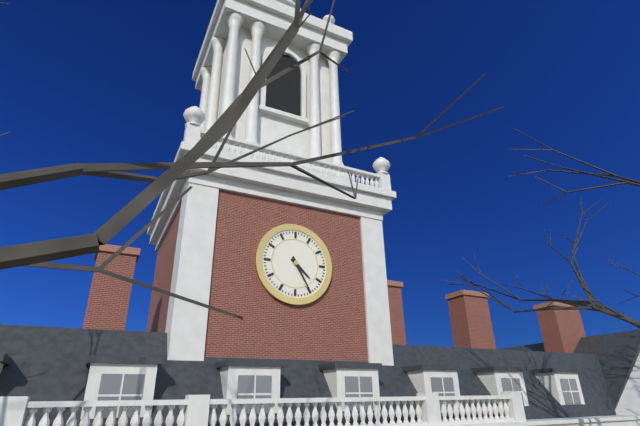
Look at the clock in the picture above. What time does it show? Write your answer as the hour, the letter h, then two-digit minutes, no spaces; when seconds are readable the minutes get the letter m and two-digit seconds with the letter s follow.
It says 4h25
